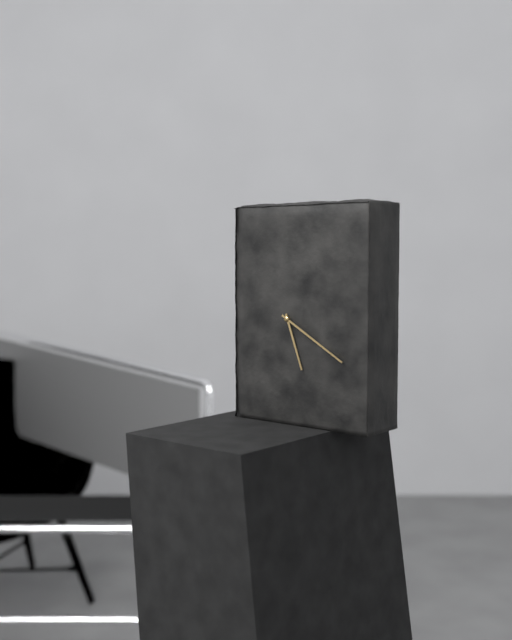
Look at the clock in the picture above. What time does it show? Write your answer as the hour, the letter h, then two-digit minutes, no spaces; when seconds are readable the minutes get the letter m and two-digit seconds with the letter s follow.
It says 5h20
